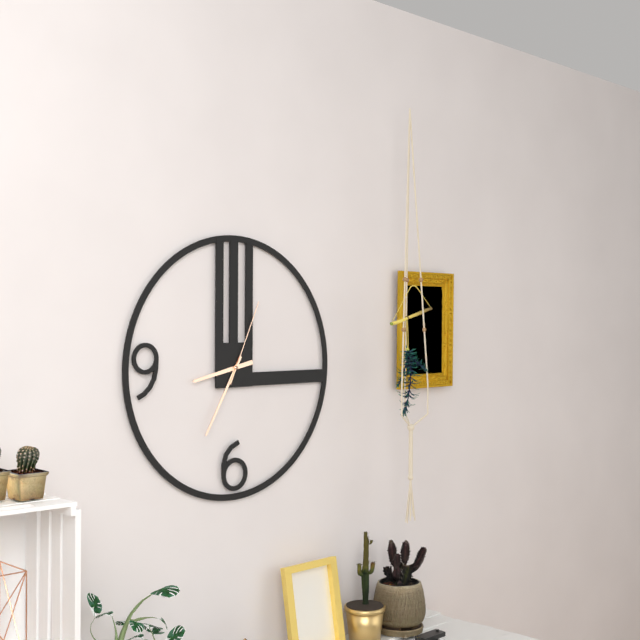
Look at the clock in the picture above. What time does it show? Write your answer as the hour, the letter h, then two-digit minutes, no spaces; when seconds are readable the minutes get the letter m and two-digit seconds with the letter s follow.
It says 8h35m04s
